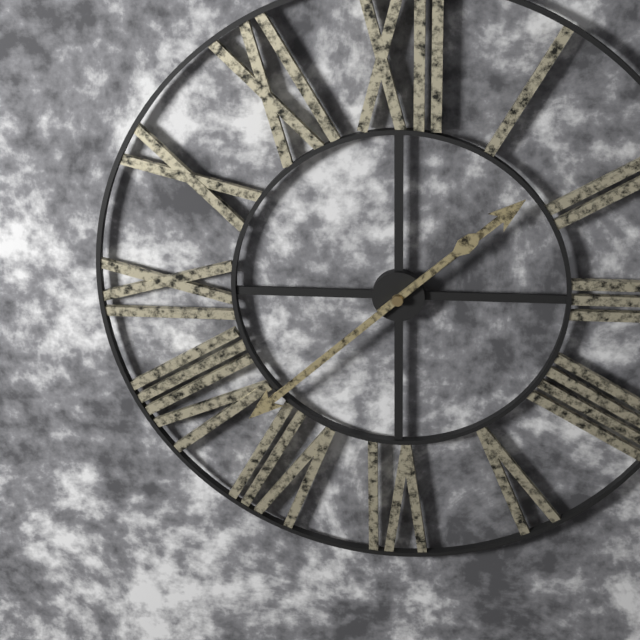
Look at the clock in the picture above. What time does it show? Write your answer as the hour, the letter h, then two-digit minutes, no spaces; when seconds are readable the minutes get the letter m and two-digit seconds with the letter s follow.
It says 1h38
